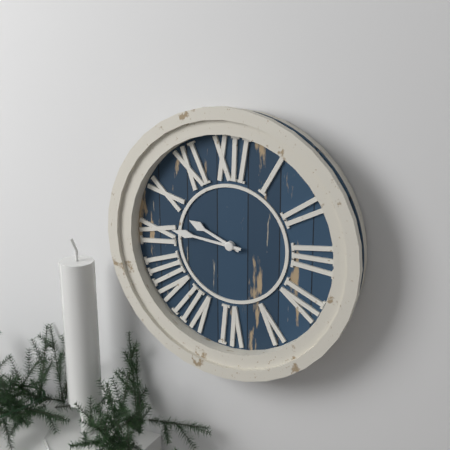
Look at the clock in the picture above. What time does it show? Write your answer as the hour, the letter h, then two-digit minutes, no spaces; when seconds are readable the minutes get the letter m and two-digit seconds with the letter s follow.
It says 9h46
